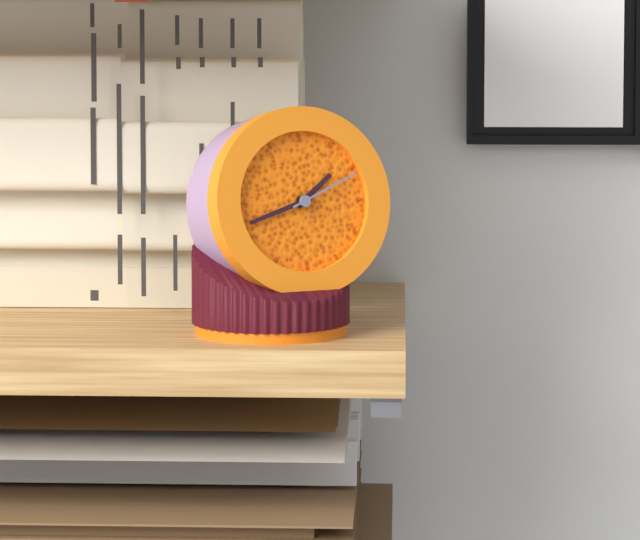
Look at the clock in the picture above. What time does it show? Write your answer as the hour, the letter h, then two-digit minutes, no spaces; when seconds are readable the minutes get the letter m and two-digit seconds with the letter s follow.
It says 1h42m11s
